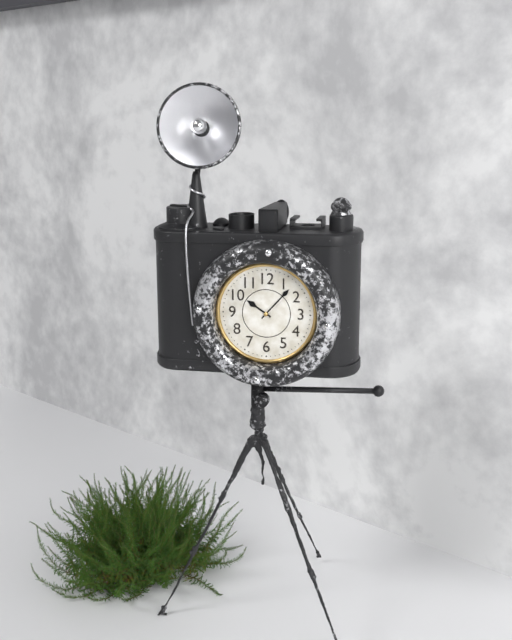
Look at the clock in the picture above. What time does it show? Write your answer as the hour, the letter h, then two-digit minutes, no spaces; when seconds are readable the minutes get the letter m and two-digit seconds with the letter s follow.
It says 10h07
